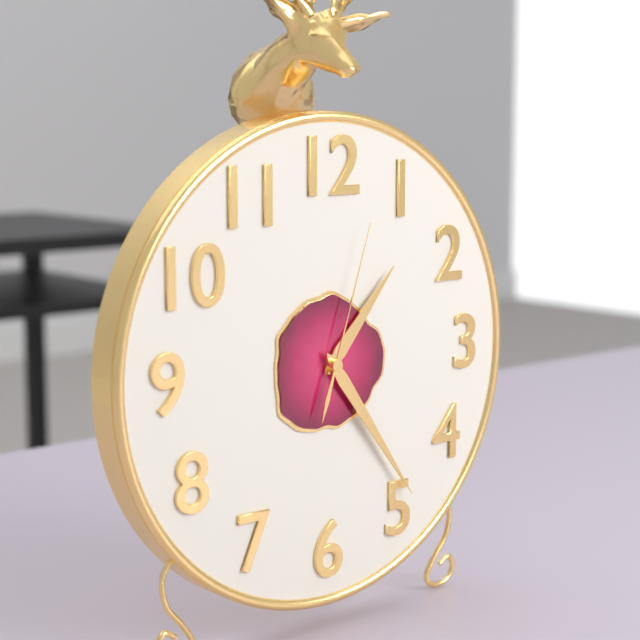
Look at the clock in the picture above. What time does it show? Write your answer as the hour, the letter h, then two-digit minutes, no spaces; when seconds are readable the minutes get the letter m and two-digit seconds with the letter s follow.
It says 1h24m03s
